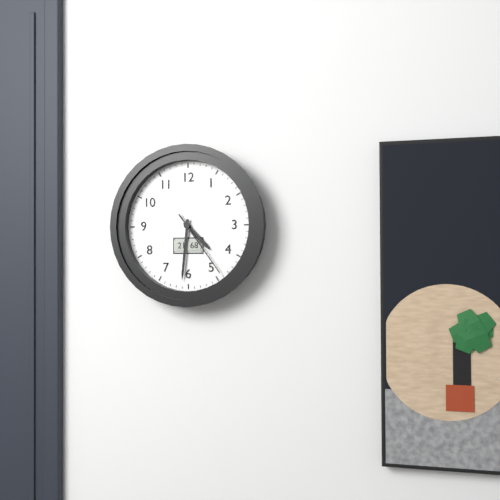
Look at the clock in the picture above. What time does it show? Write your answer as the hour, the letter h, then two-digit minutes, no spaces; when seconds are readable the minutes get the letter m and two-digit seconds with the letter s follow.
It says 4h31m24s
